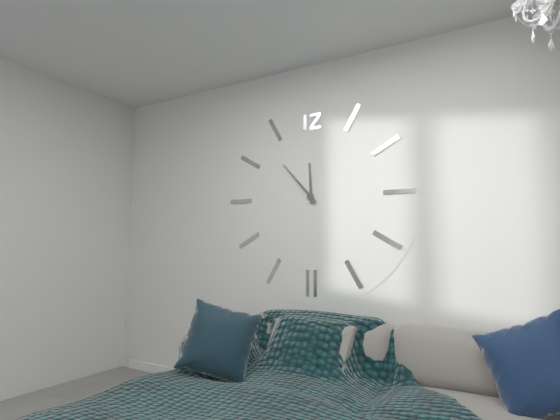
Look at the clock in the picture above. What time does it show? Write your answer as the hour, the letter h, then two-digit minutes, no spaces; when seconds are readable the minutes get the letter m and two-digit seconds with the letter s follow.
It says 11h53
